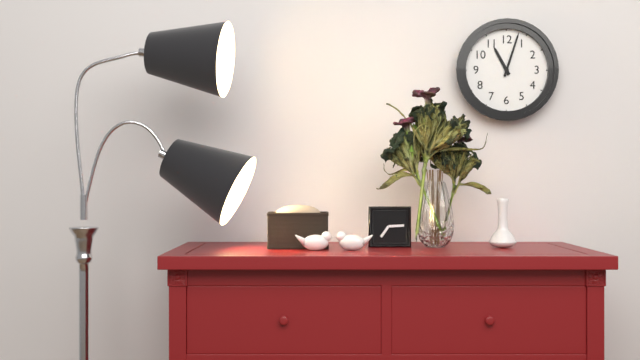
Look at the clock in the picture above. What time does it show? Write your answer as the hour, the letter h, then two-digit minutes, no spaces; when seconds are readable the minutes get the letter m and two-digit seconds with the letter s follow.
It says 11h03
